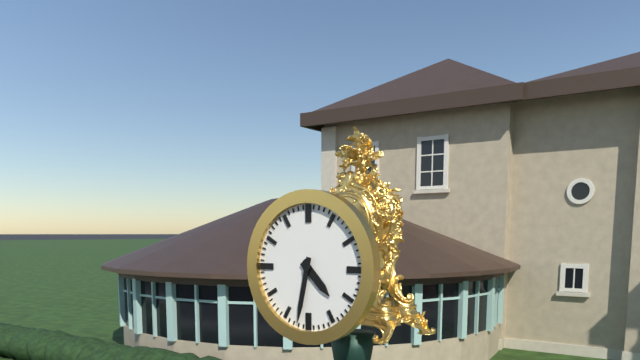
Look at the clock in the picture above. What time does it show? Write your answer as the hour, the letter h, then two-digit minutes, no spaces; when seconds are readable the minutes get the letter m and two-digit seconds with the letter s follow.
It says 4h32
